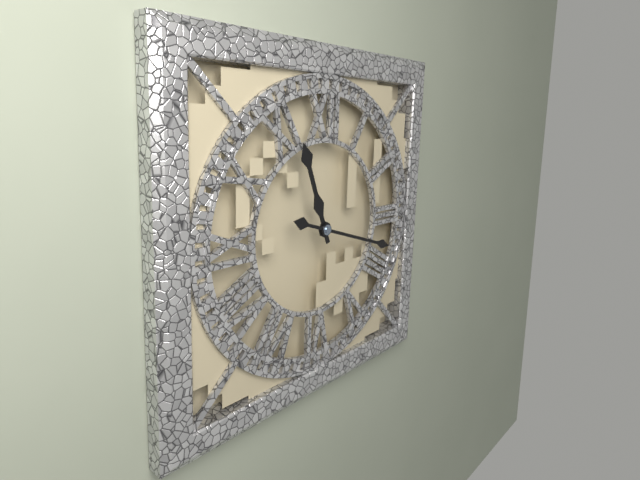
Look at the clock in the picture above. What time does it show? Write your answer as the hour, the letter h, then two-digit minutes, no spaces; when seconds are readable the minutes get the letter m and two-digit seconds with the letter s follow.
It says 11h18
